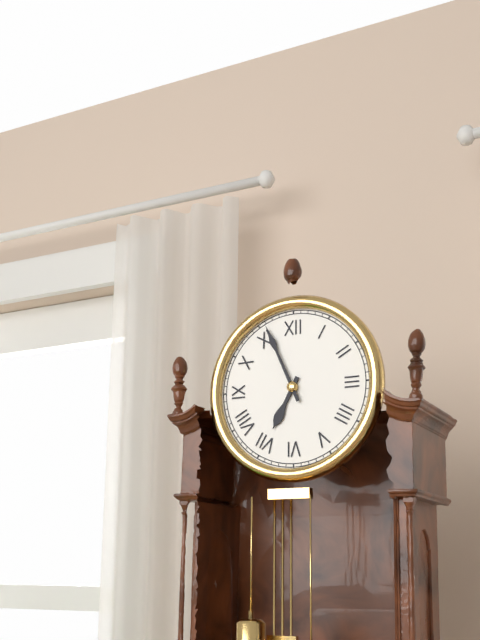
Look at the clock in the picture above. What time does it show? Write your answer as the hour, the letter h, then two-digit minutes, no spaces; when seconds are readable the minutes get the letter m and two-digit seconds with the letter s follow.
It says 6h56
